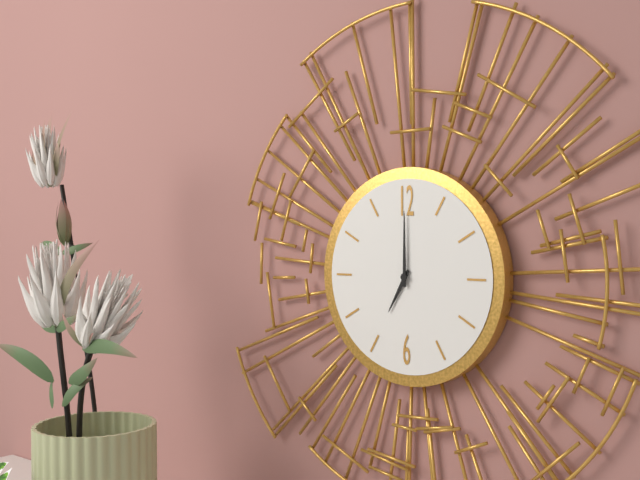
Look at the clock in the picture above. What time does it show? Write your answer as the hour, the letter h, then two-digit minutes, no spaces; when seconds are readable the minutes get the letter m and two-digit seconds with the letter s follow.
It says 7h00
